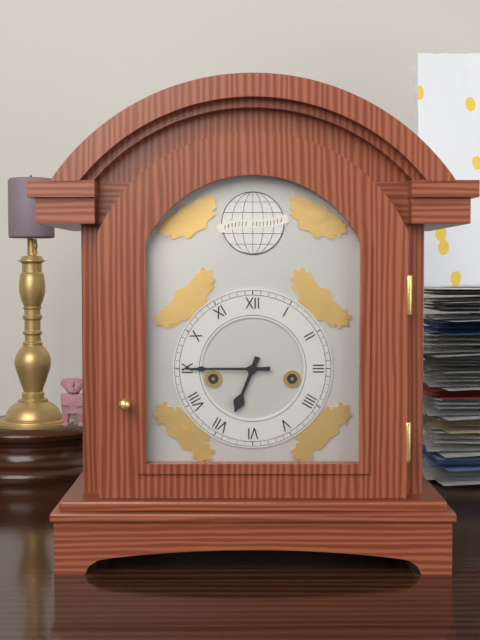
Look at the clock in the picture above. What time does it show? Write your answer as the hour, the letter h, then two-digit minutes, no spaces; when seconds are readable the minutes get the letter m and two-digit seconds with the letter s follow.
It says 6h45
